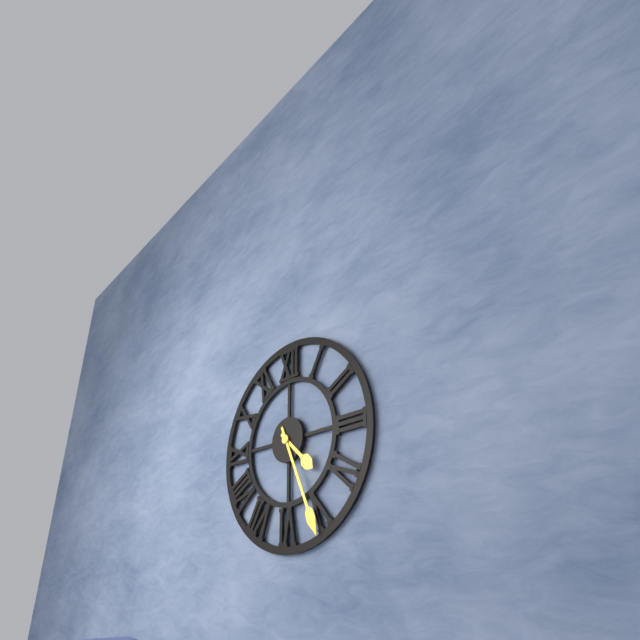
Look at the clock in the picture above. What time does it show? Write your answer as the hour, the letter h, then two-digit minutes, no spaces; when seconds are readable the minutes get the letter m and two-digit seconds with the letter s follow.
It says 4h26
